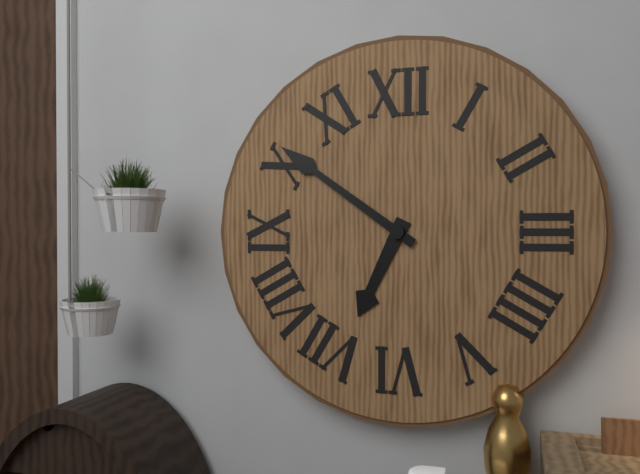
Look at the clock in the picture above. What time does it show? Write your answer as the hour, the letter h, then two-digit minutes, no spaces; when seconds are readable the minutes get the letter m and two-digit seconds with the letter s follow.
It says 6h51
